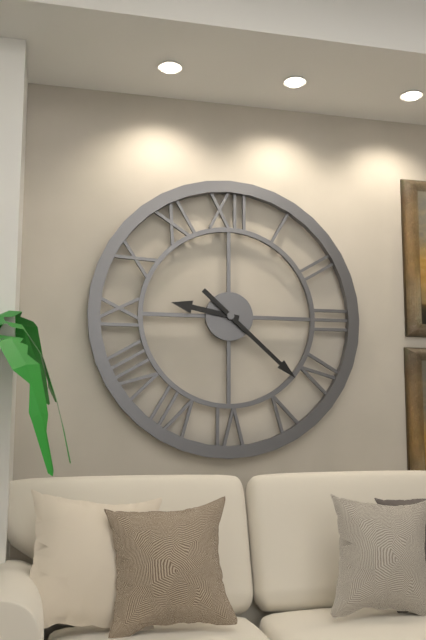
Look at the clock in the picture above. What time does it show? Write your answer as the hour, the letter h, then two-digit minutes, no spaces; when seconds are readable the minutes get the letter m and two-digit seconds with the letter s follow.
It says 9h22
